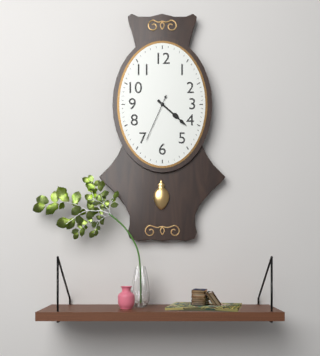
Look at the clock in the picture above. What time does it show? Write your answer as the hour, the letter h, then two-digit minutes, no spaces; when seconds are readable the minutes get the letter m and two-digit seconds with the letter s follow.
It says 4h22m34s
